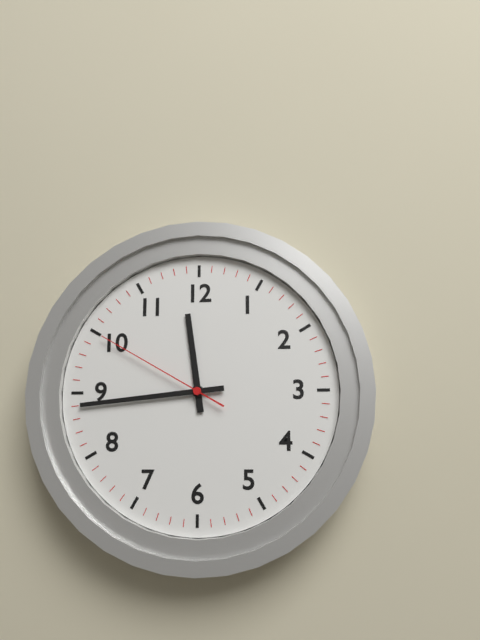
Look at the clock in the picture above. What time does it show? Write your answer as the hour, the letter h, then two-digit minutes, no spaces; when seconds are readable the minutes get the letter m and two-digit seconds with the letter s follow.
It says 11h44m50s
